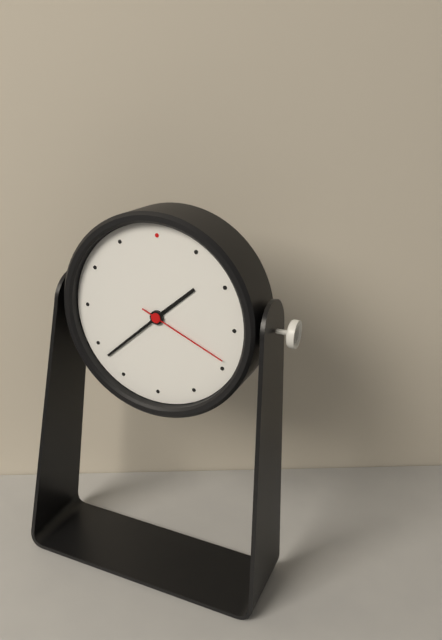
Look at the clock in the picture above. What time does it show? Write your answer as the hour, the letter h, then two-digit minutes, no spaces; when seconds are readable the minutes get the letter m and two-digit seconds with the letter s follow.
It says 1h38m19s
